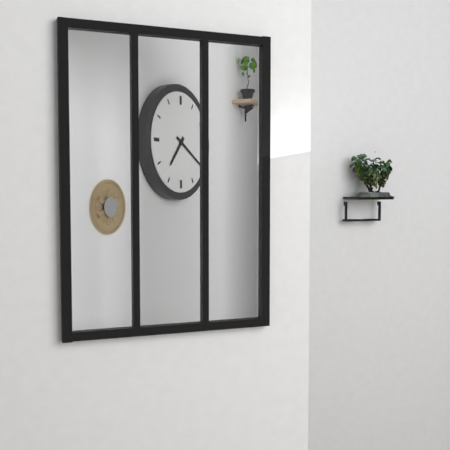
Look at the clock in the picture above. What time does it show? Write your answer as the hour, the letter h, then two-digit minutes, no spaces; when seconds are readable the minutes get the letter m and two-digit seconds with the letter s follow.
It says 7h20
